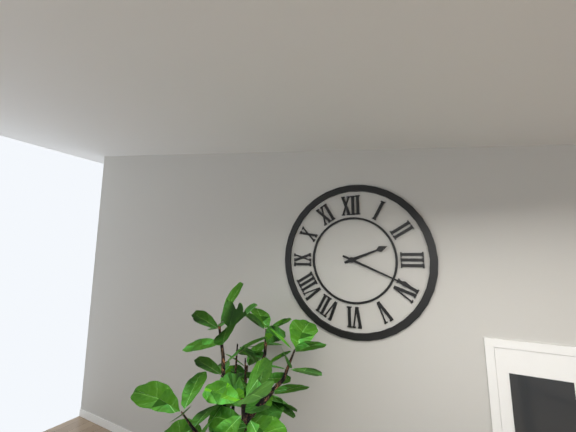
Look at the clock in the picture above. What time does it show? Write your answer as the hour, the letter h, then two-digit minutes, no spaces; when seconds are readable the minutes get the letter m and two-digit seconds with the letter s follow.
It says 2h19
